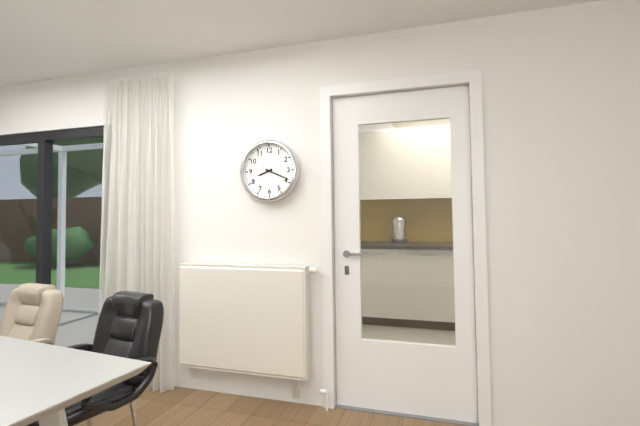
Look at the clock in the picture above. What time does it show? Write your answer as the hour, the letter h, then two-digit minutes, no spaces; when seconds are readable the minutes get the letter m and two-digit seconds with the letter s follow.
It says 8h19
